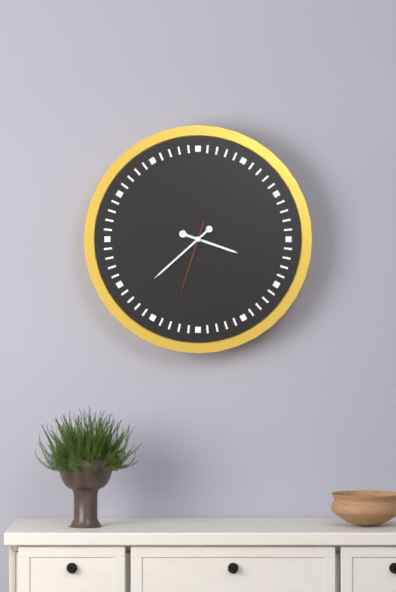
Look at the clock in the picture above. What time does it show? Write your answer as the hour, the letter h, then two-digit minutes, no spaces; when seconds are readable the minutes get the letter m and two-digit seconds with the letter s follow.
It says 3h38m33s
